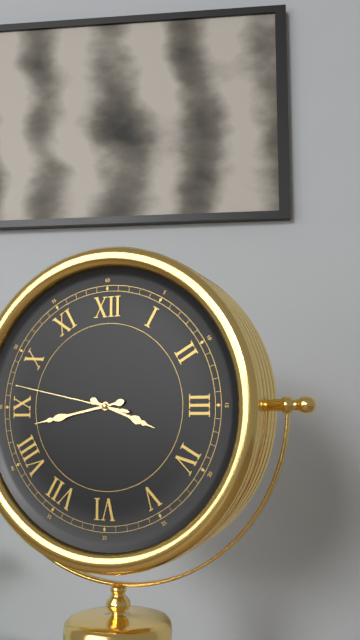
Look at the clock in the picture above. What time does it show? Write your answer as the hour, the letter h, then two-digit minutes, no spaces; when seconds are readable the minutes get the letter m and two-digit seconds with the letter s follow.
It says 3h43m47s
